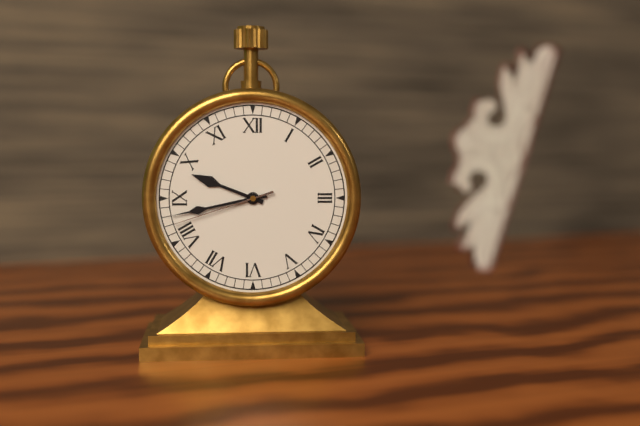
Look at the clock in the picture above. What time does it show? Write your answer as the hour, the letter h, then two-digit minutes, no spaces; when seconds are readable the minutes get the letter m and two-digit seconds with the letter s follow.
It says 9h43m42s
